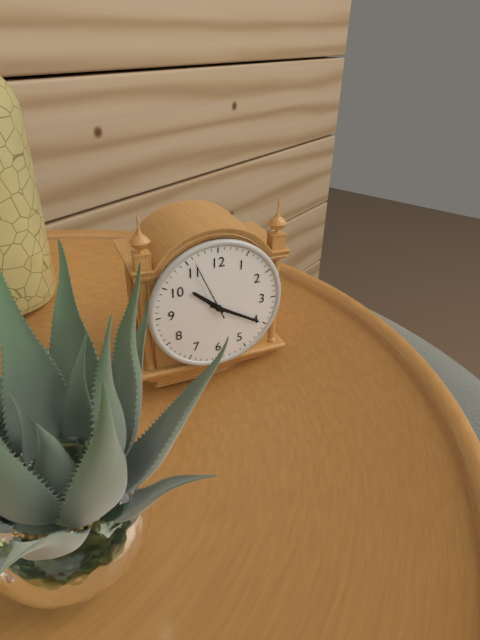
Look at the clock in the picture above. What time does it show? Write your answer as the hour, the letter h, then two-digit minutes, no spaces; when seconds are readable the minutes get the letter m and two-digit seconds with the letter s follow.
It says 10h20m56s
